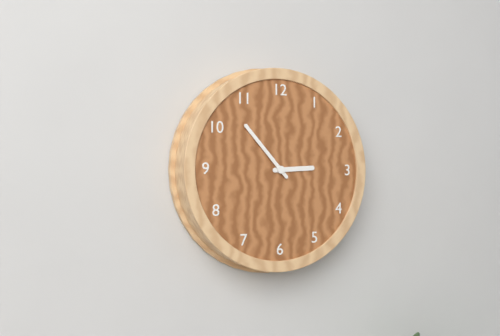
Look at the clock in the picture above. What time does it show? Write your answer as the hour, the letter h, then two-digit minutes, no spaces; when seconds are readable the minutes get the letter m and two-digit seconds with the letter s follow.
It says 2h53
